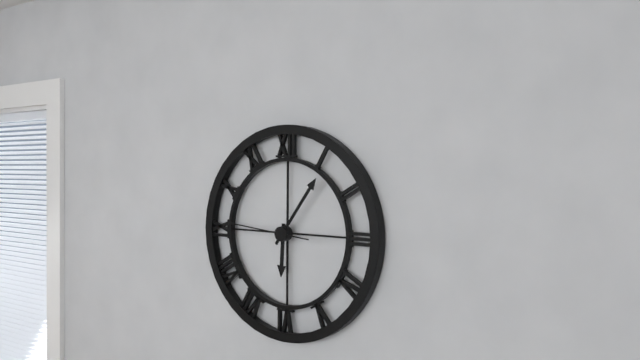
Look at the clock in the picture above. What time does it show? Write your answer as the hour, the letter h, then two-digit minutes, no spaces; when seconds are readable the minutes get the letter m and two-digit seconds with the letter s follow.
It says 6h06m46s
